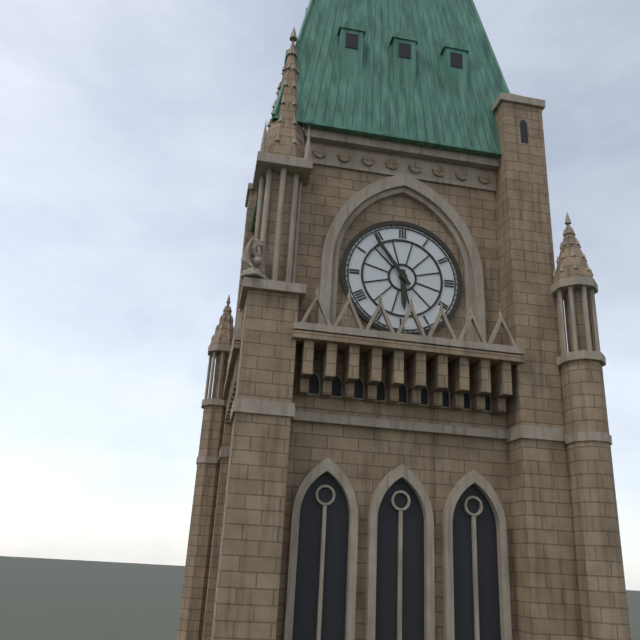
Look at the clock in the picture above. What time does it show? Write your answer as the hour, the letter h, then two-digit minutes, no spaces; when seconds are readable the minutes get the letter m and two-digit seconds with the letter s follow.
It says 5h54
